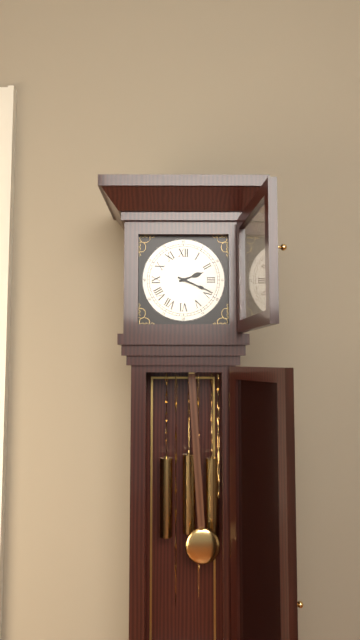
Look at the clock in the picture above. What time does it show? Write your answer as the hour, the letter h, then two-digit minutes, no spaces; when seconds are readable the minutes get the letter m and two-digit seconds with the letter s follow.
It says 2h19
